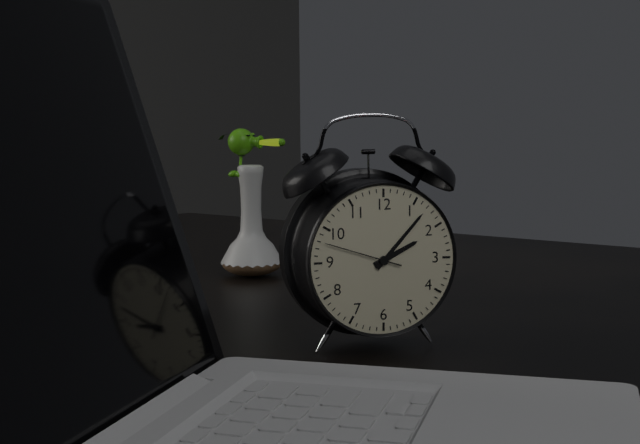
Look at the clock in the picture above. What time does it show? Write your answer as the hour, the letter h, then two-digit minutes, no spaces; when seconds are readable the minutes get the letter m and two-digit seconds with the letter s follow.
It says 2h07m48s
